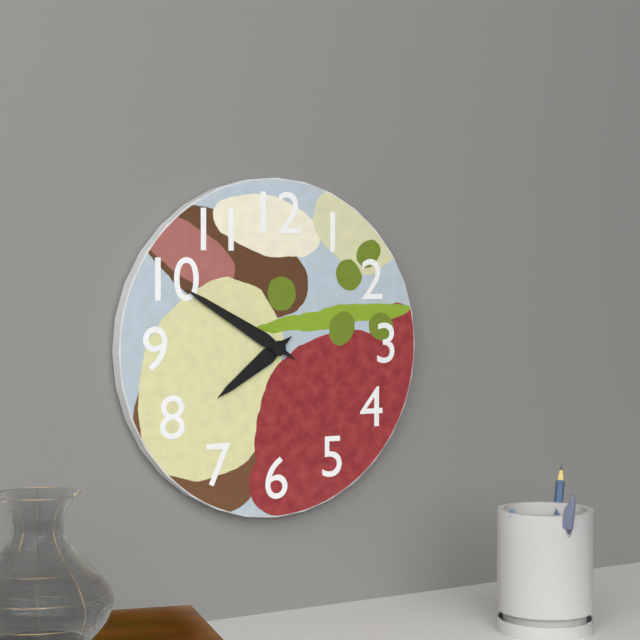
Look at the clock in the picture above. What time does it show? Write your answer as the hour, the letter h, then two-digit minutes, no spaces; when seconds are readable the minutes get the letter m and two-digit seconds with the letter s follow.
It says 7h50
